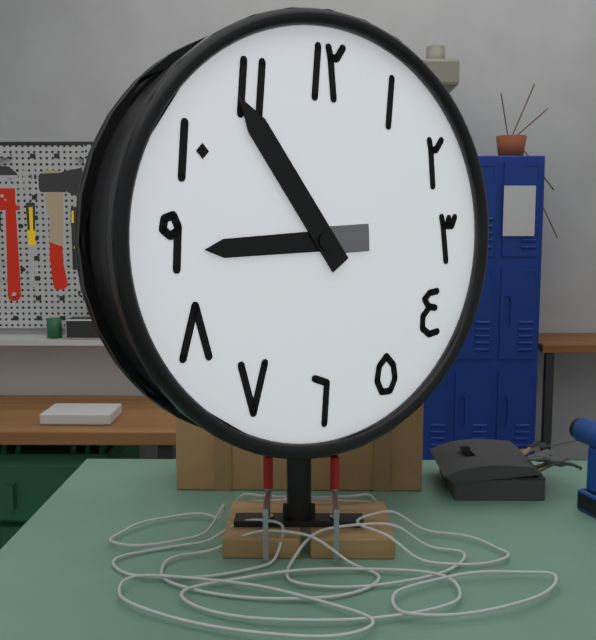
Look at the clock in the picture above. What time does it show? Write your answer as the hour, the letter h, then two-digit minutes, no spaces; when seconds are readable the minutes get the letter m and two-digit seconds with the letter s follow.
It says 8h54
